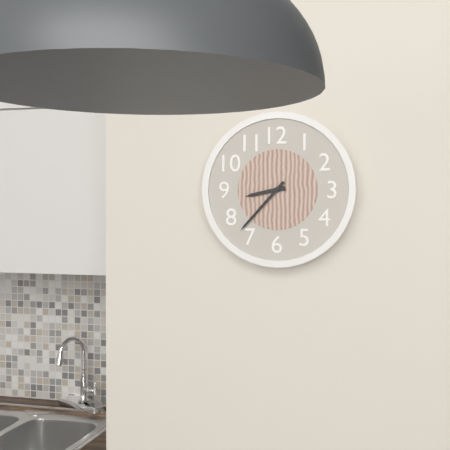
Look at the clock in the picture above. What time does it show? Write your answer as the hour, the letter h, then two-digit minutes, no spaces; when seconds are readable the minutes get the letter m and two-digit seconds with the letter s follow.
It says 8h37
